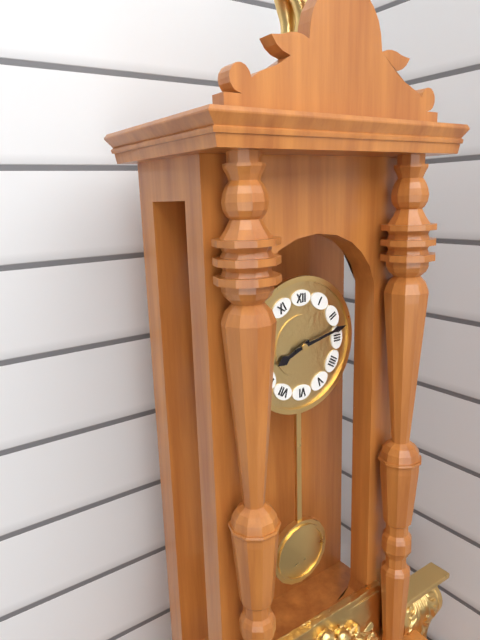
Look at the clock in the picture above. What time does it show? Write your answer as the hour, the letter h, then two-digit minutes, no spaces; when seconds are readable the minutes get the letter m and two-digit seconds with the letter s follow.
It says 8h13
